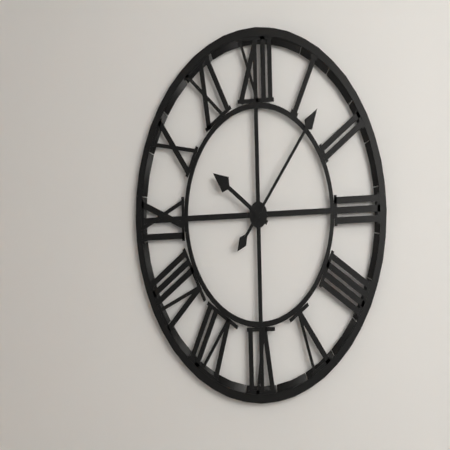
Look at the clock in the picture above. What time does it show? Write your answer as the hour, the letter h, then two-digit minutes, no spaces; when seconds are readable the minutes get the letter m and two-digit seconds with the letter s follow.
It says 10h07
